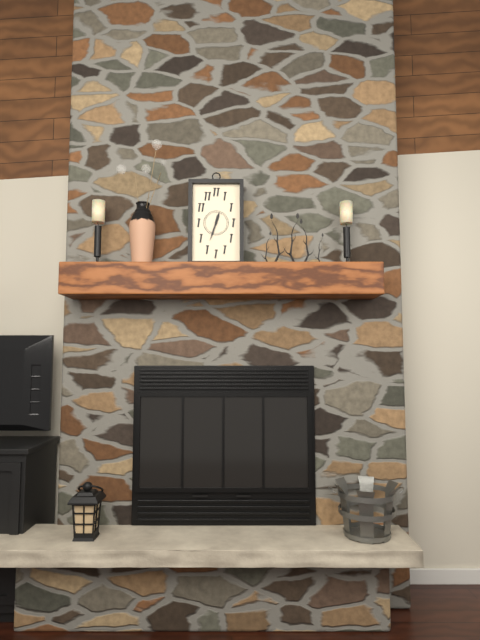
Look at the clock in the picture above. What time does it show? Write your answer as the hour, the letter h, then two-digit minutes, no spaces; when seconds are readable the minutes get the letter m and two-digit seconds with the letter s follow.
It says 12h33
